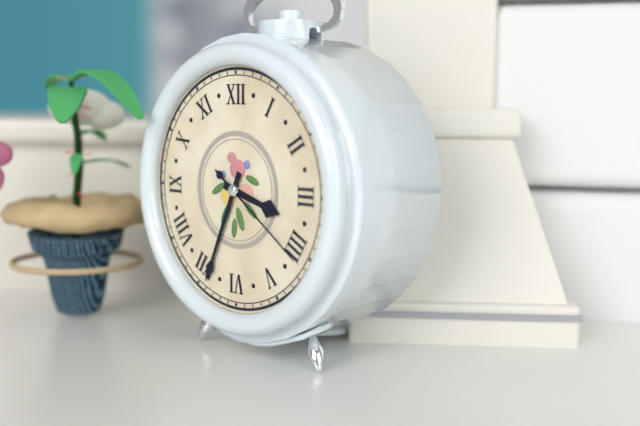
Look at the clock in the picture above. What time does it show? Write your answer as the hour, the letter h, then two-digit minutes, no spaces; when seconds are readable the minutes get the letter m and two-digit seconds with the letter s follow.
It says 3h34m21s
